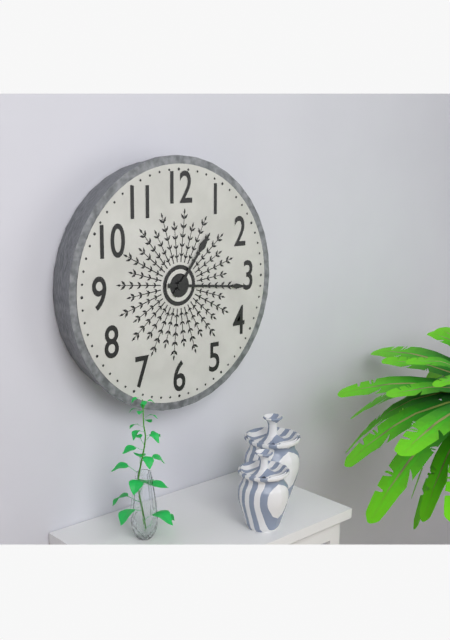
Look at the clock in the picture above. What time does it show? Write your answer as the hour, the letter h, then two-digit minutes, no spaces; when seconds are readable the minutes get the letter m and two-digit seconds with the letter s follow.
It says 1h16
